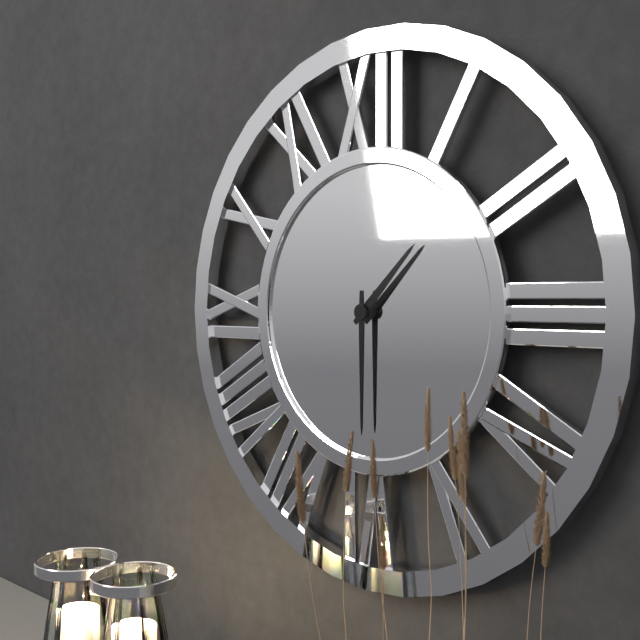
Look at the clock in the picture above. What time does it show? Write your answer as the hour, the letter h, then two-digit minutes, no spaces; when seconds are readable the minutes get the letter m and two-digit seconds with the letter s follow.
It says 1h30
